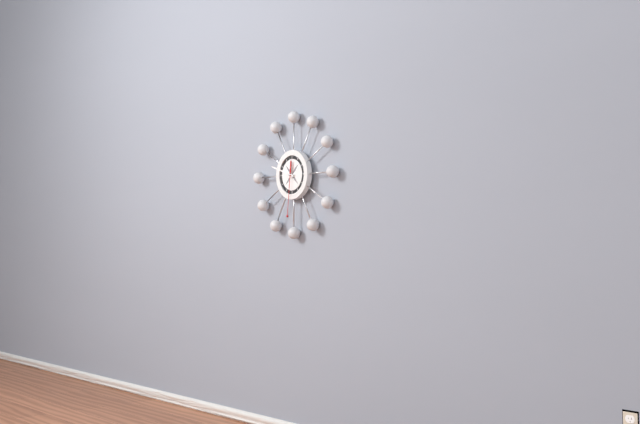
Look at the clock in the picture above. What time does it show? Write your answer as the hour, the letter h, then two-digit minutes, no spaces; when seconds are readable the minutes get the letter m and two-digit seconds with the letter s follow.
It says 11h48m31s
